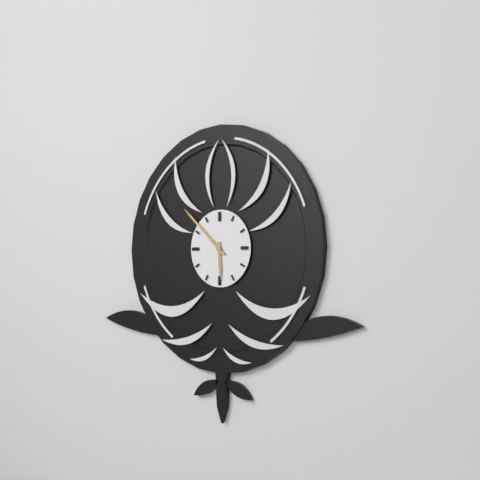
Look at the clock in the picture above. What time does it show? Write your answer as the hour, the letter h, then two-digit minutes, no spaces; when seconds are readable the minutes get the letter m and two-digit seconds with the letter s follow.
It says 5h52
